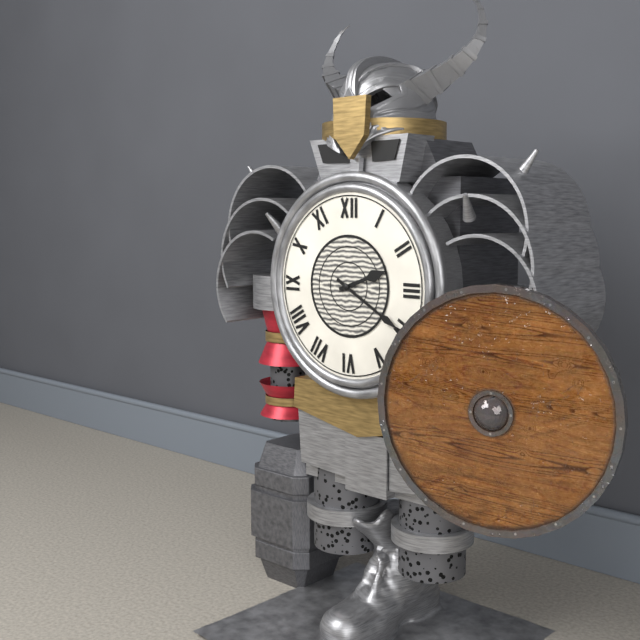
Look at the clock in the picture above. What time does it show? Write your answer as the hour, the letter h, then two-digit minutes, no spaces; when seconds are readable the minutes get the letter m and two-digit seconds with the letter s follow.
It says 2h20
